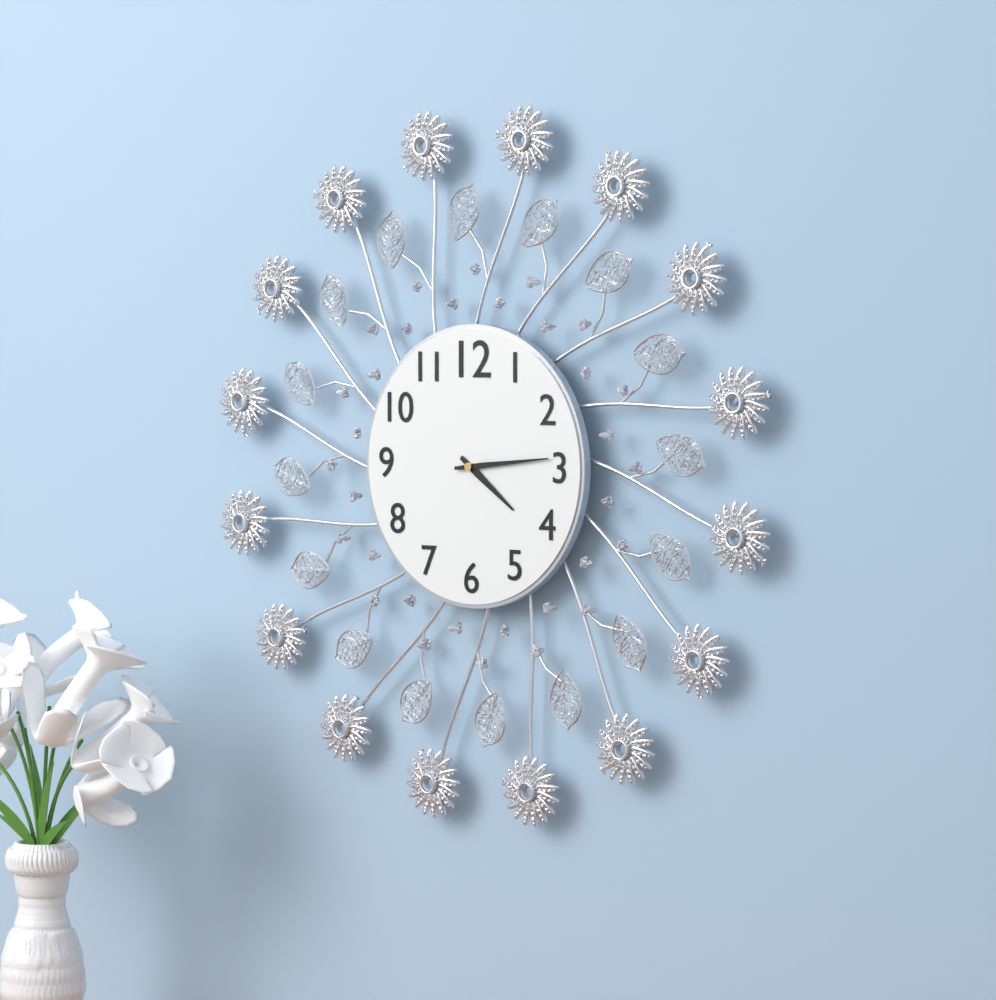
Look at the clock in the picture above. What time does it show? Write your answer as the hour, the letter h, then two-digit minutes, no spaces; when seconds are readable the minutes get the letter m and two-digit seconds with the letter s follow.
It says 4h14
